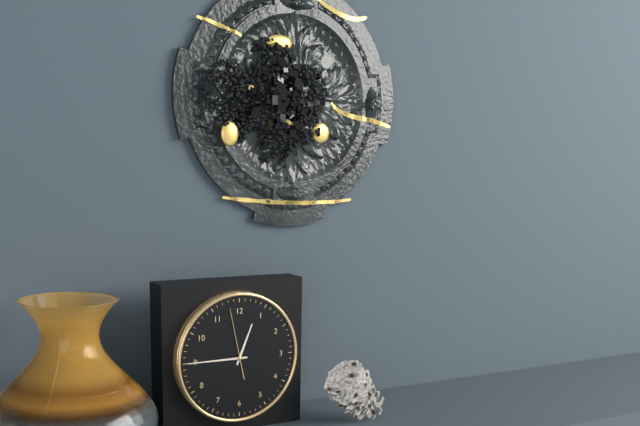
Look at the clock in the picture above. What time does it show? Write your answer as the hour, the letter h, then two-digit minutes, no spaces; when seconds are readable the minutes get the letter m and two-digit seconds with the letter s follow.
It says 12h45m58s
